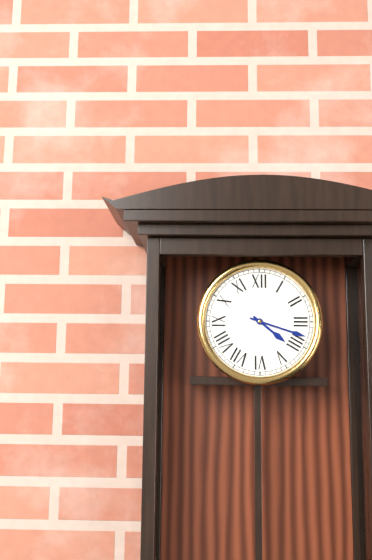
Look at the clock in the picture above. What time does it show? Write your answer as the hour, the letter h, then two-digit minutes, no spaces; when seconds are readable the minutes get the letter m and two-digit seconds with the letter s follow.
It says 4h18
